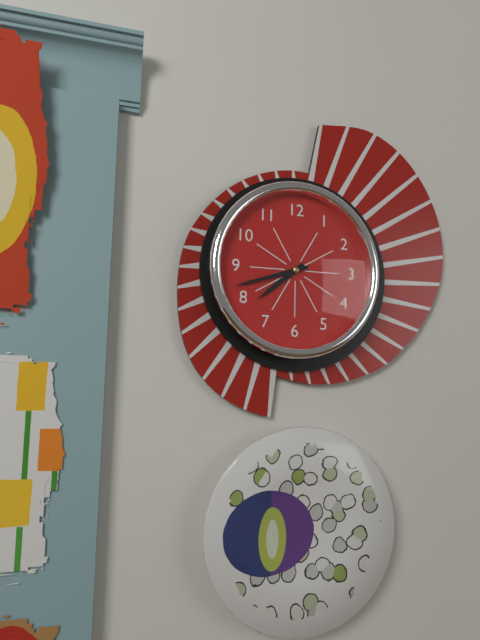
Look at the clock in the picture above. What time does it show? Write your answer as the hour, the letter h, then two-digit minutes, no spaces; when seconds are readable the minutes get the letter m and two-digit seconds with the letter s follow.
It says 7h42
